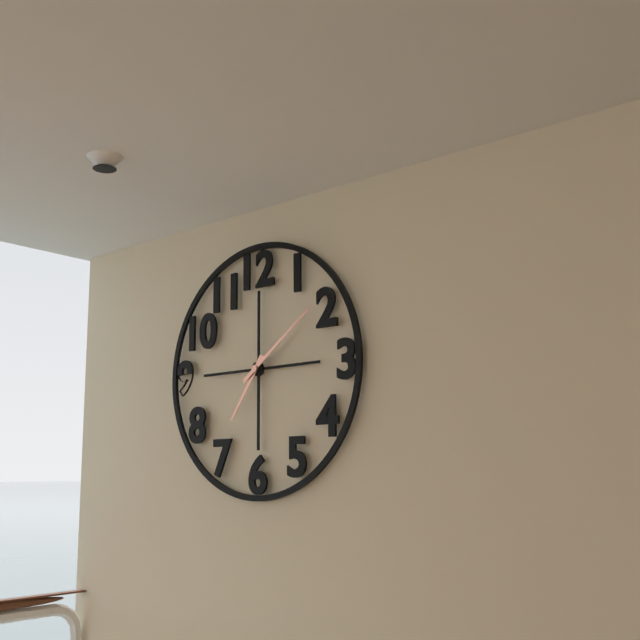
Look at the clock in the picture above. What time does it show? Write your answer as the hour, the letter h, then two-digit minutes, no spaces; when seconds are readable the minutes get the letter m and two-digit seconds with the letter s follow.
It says 7h09
